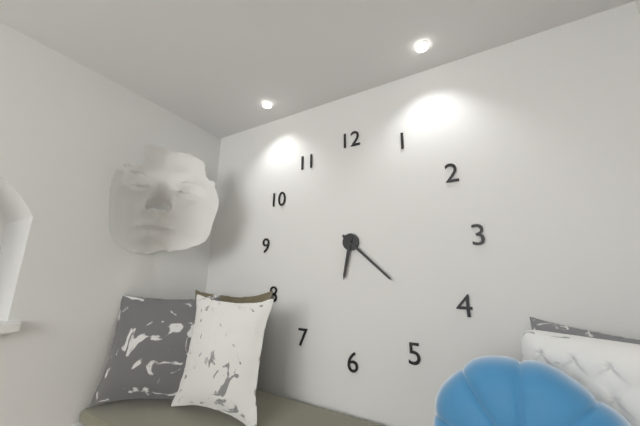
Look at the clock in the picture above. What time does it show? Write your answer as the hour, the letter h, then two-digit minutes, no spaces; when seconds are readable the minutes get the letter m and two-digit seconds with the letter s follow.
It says 6h22
